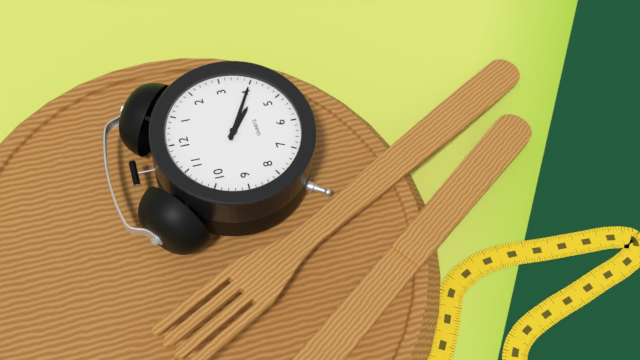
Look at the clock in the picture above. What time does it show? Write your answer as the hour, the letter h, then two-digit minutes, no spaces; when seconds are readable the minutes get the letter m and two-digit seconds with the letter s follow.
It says 4h20
